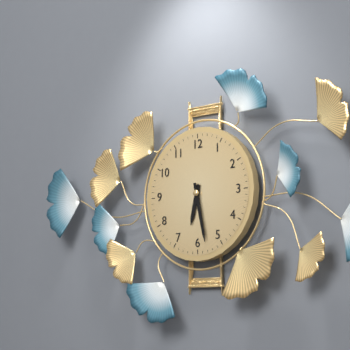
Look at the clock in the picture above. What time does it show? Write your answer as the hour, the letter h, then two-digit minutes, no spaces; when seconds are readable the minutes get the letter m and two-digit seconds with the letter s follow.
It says 6h28
